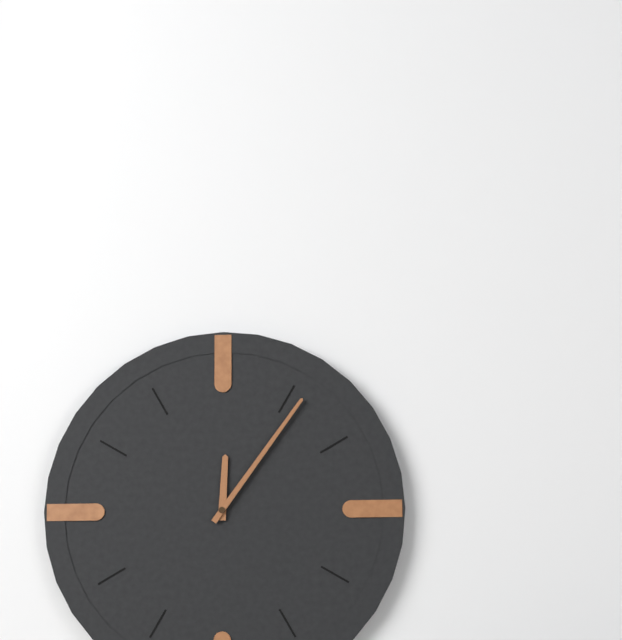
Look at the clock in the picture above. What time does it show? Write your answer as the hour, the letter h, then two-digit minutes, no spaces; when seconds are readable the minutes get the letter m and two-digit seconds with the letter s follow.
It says 12h06
